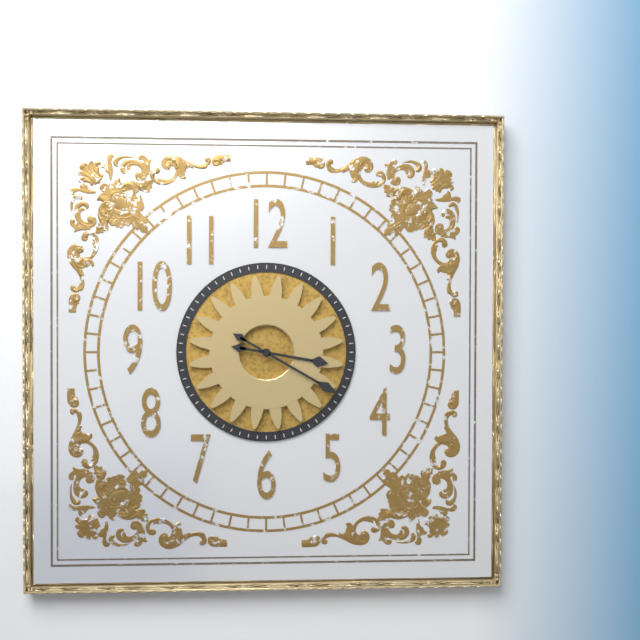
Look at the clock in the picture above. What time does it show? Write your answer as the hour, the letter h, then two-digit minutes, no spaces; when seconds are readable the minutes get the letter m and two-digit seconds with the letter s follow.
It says 3h20
